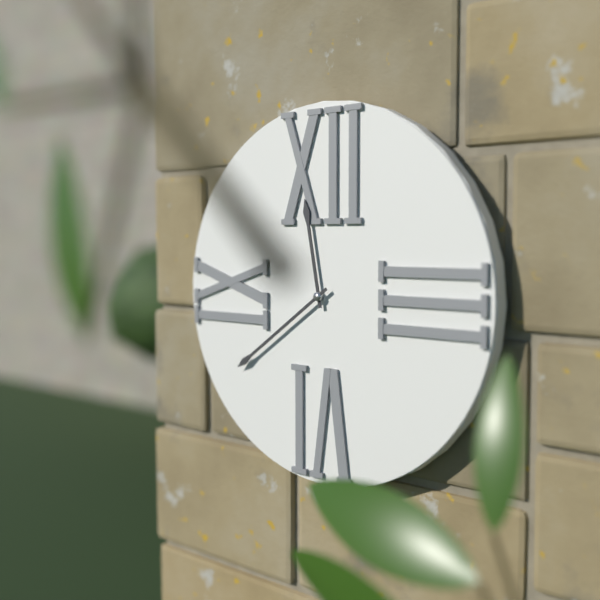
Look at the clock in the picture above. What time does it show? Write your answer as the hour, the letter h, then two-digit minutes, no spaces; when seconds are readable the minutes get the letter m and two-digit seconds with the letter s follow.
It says 11h39
